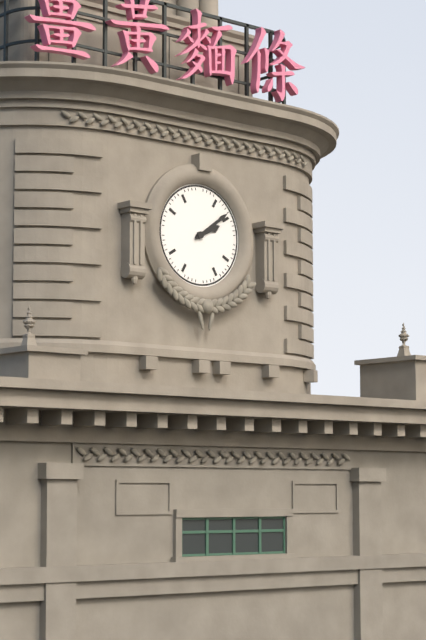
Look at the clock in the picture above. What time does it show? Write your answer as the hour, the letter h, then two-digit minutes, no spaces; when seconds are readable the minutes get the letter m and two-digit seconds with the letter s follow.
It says 2h09
